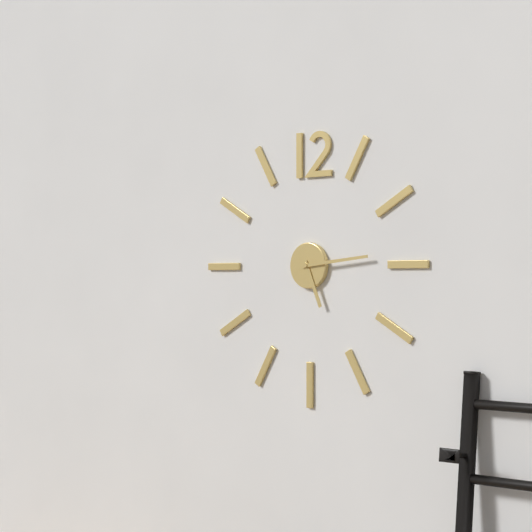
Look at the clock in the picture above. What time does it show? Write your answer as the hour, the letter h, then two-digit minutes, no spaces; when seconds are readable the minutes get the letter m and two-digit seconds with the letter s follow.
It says 5h14
